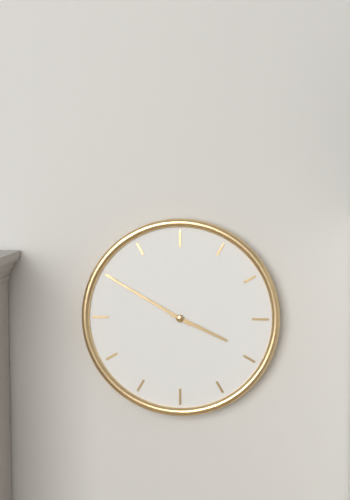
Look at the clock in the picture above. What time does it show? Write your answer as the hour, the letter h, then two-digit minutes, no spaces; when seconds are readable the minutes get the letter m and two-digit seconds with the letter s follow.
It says 3h50
